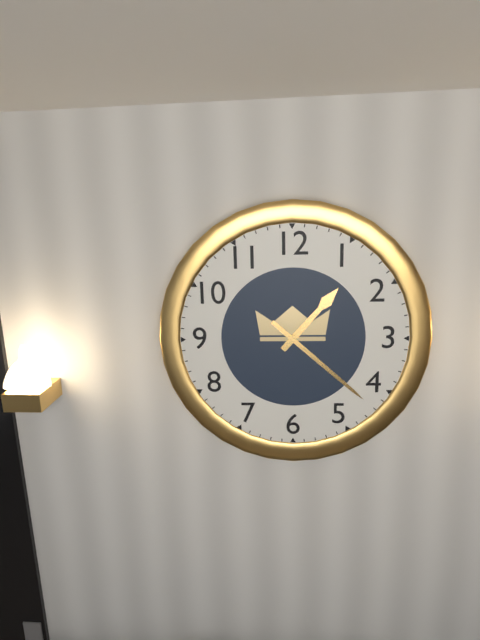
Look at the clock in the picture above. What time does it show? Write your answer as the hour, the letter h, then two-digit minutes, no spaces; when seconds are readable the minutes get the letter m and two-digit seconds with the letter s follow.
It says 1h22
